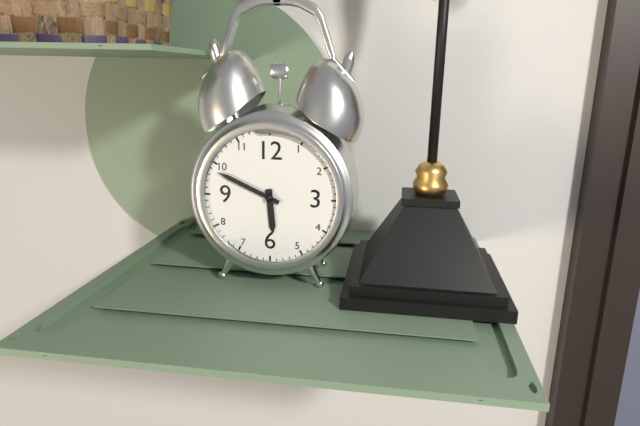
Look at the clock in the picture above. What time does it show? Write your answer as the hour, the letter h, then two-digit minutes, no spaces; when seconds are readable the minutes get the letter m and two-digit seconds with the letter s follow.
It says 5h49
